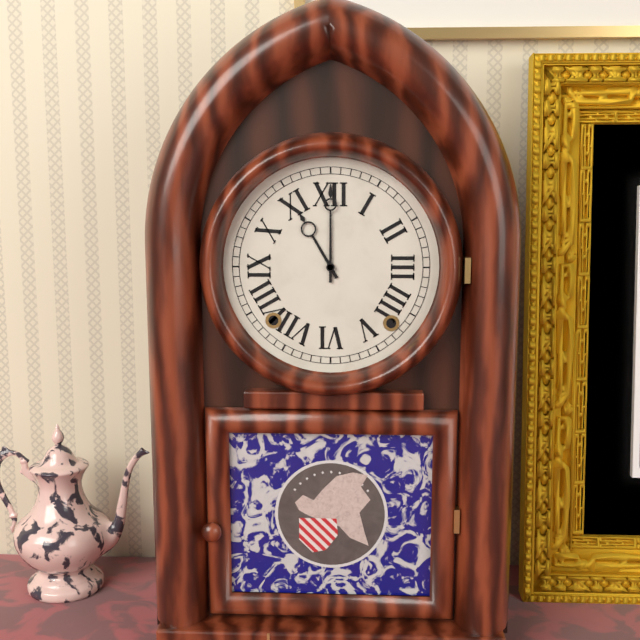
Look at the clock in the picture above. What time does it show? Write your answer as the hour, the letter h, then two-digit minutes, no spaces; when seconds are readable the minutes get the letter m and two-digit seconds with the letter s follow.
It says 11h00
